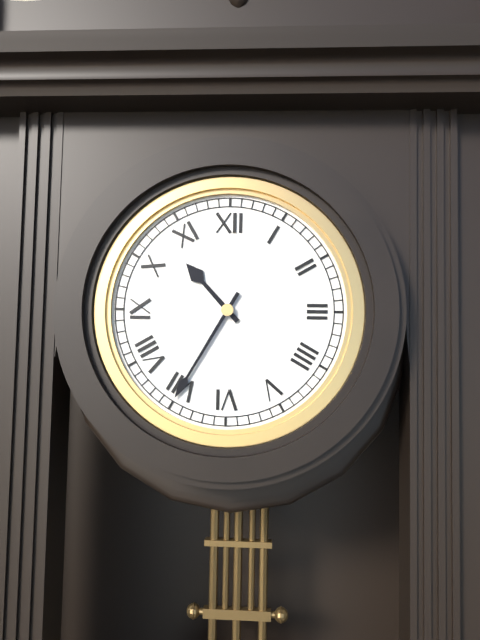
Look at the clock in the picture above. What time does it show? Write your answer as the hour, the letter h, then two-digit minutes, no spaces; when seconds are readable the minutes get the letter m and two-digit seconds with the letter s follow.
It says 10h35
